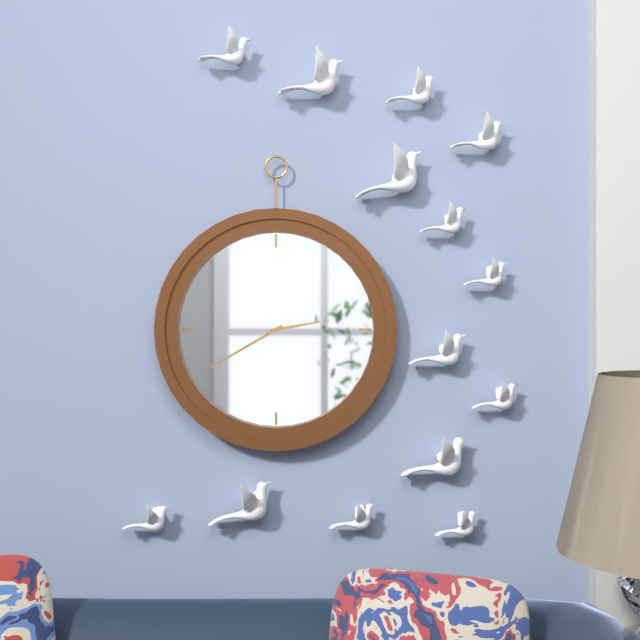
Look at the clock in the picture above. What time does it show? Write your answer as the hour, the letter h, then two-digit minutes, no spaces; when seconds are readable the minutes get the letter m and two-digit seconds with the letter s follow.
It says 2h40
